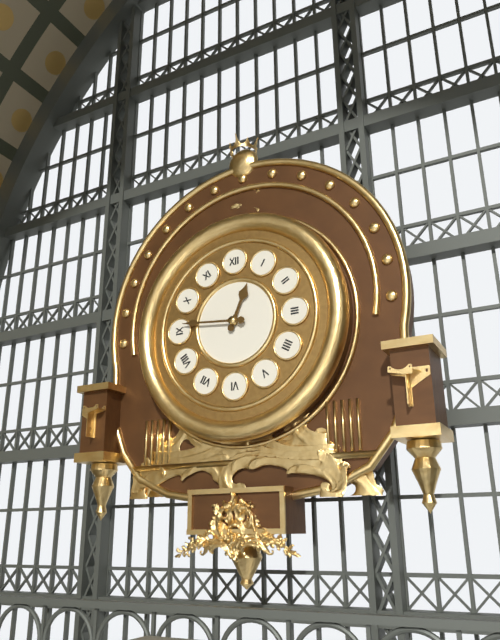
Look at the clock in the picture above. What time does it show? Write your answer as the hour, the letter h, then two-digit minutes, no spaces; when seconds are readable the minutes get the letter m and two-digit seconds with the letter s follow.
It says 12h46
